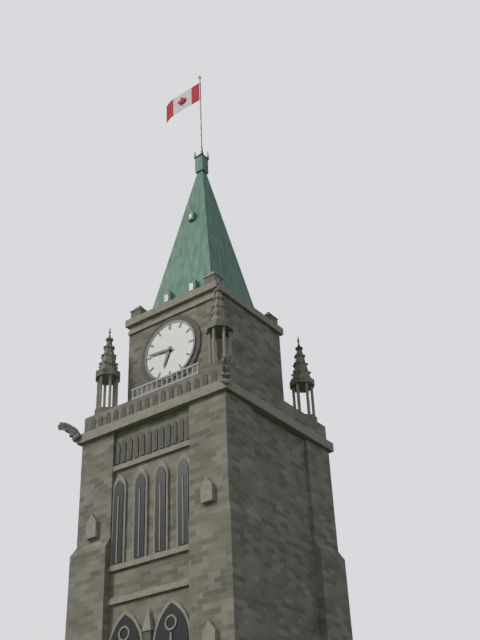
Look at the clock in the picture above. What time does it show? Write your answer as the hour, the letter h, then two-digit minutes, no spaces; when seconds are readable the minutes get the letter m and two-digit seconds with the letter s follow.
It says 6h46
